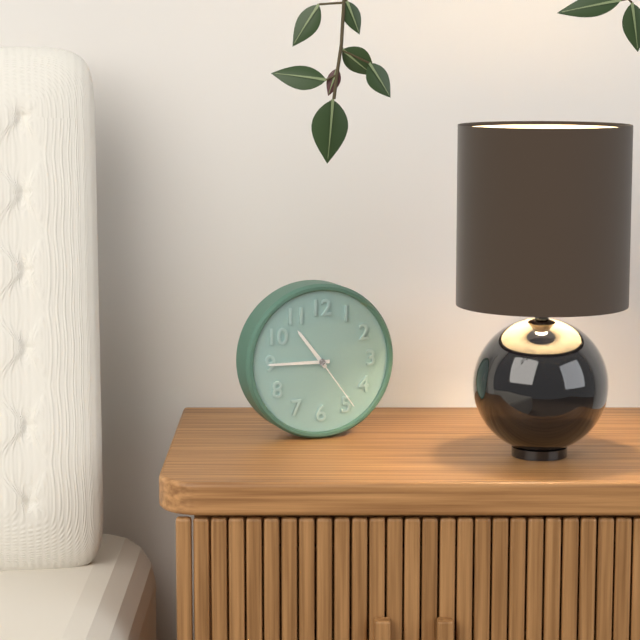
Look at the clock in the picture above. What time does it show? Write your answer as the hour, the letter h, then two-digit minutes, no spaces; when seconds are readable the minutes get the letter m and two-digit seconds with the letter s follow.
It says 10h45m24s
